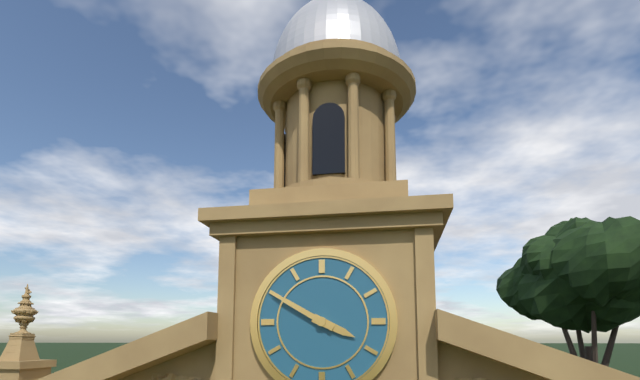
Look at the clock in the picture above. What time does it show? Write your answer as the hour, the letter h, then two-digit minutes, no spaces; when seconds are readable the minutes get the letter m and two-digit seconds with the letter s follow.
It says 3h50
